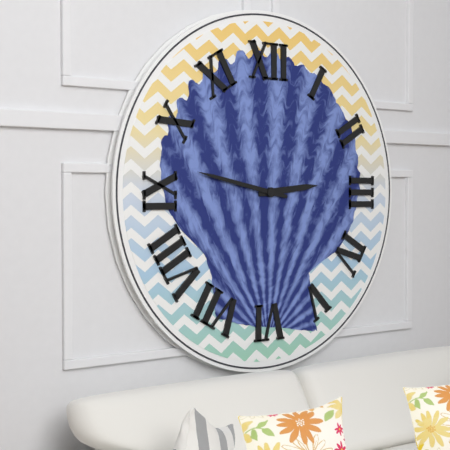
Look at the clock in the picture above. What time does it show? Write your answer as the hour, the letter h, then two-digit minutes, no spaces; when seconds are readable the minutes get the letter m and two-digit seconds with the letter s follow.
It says 2h47
